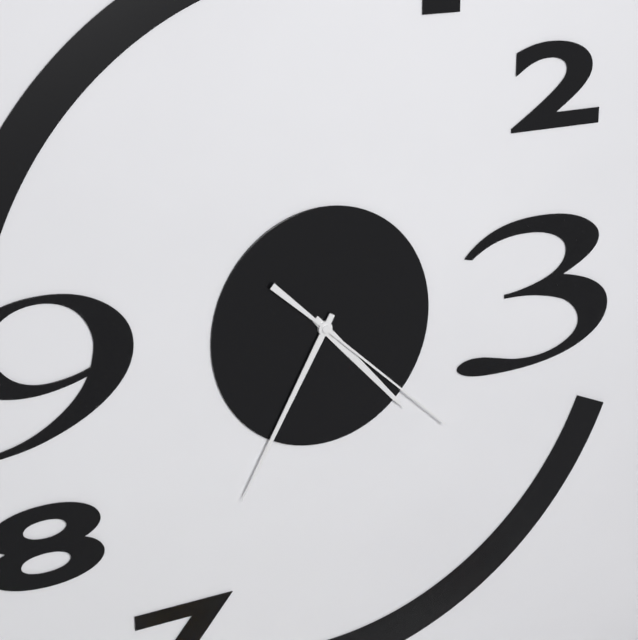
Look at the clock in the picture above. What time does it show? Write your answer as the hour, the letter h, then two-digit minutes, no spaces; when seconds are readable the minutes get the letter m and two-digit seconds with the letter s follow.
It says 4h35m22s
